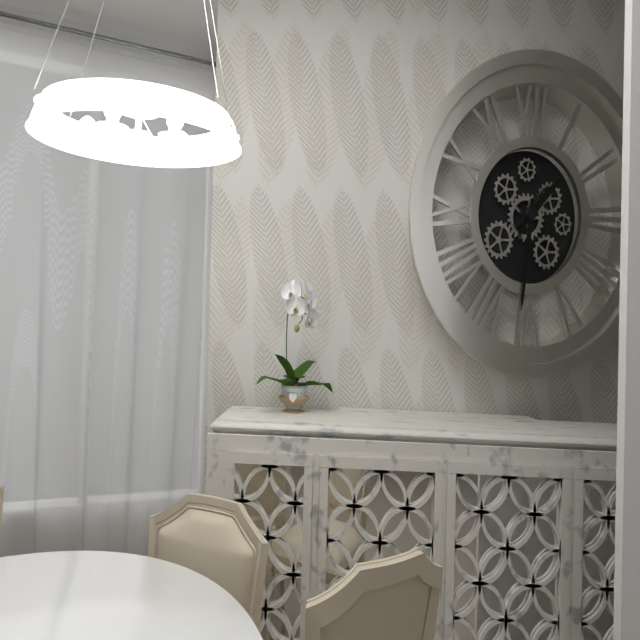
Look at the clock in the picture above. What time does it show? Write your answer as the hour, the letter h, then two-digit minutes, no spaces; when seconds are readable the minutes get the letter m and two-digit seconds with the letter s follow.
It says 1h31
